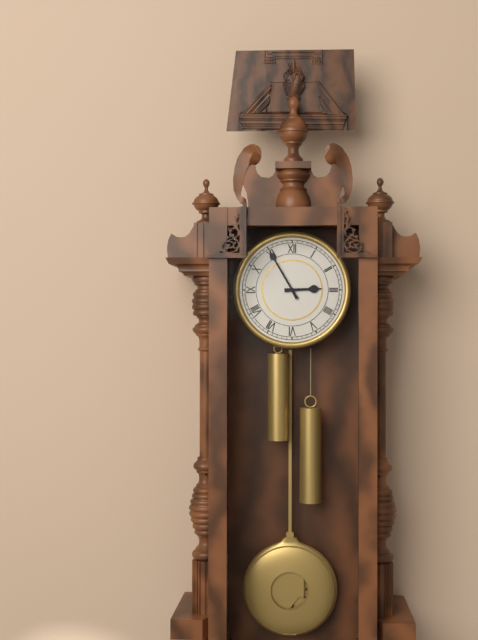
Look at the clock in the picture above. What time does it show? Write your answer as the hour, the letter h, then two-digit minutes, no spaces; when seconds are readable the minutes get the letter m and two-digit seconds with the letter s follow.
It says 2h55
